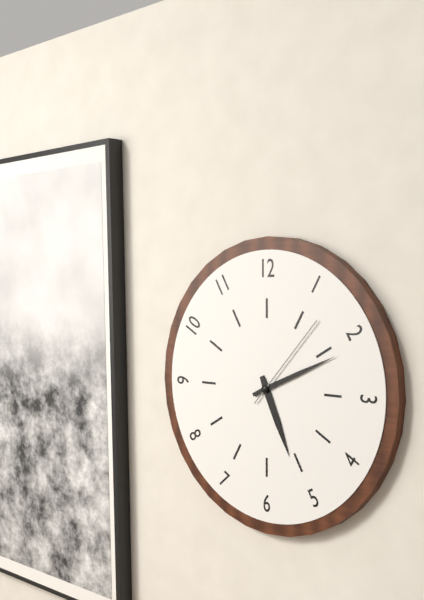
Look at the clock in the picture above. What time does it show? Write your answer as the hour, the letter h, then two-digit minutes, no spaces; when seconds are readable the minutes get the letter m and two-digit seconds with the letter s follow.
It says 5h11m07s
